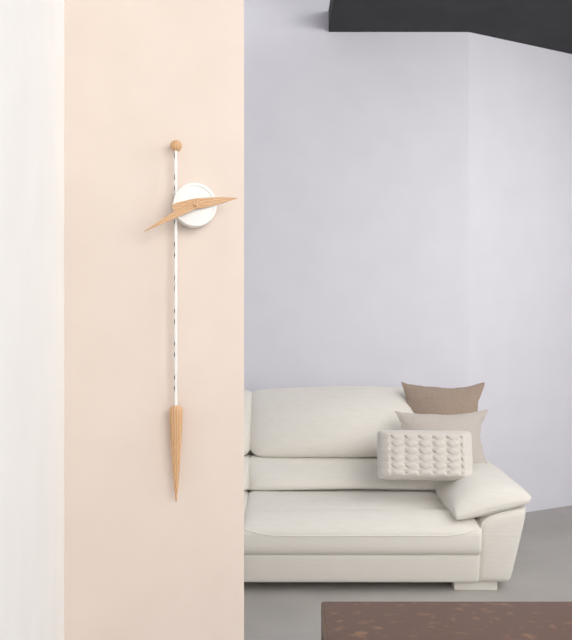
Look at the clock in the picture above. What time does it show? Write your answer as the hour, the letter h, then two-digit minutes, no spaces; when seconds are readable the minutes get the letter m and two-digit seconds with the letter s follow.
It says 2h40
